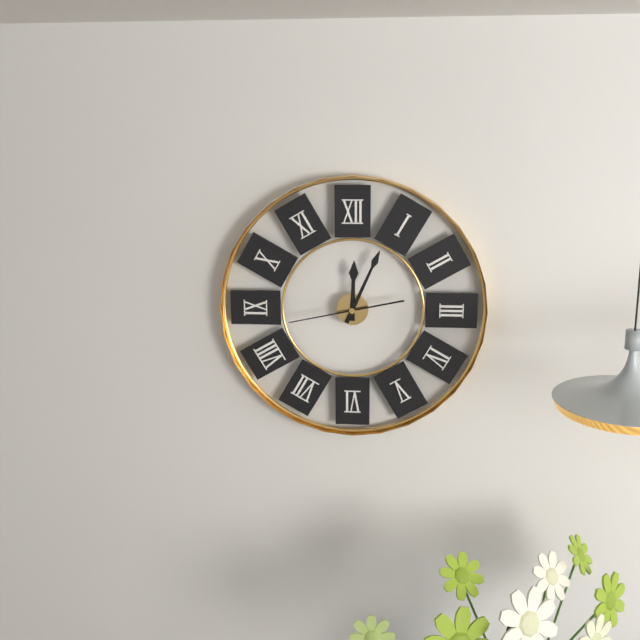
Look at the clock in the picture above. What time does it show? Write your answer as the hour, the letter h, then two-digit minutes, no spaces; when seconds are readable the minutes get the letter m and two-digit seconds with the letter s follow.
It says 12h04m43s
